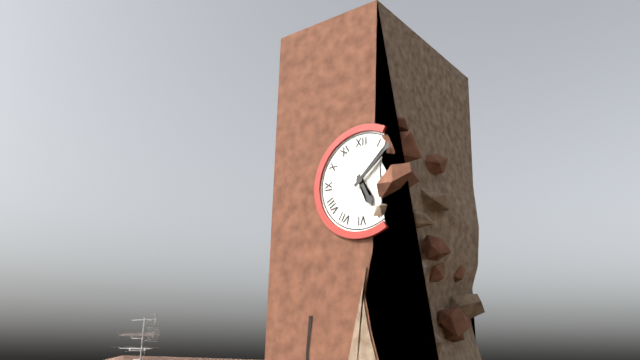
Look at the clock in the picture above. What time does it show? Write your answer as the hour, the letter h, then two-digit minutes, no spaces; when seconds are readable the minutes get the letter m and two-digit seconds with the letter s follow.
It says 5h08
